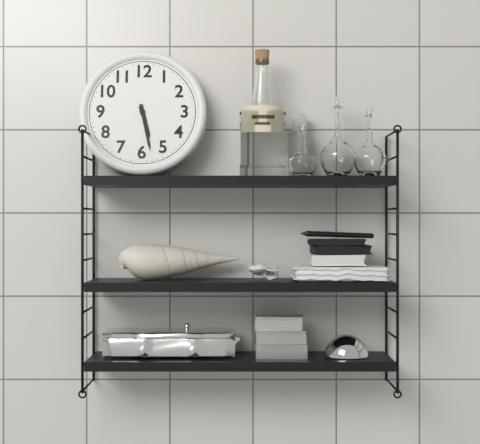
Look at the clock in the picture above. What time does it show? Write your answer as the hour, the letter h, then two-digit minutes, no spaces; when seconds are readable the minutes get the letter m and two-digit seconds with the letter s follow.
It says 5h28
